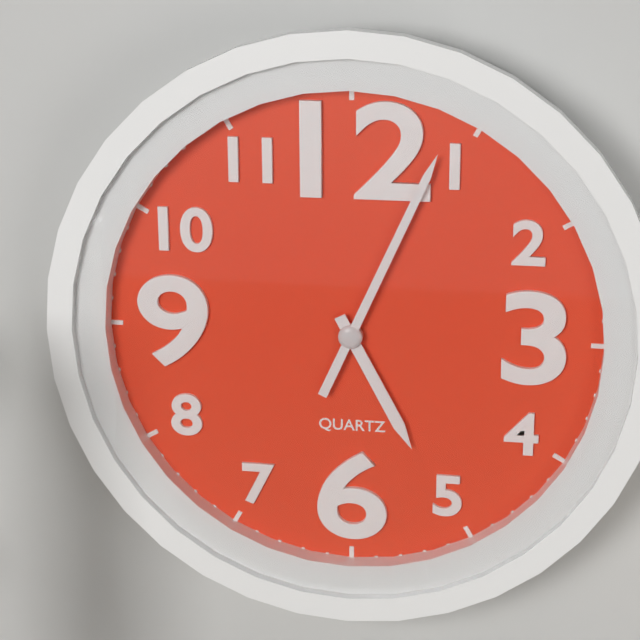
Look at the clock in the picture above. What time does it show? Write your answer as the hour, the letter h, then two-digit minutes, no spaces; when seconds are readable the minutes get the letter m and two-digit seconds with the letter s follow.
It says 5h04
